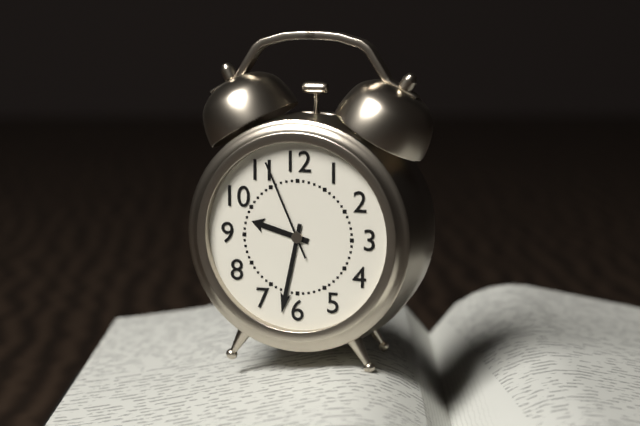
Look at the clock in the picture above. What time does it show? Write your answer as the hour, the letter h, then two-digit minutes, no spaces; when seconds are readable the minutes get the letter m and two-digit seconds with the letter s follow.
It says 9h32m56s
